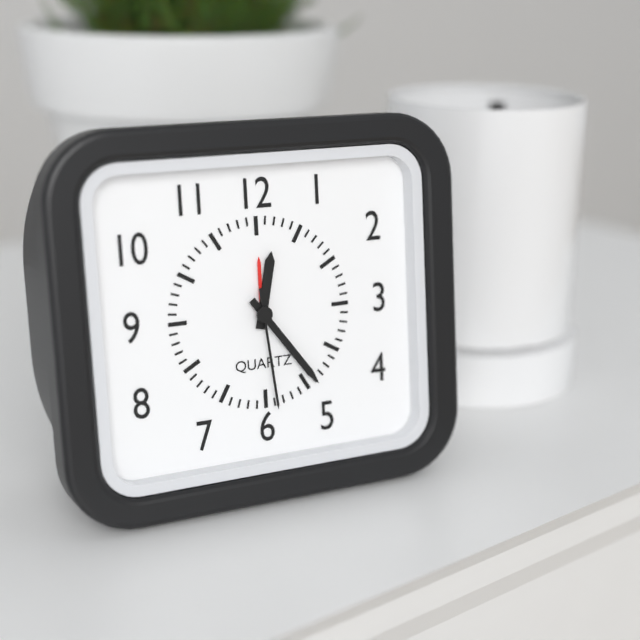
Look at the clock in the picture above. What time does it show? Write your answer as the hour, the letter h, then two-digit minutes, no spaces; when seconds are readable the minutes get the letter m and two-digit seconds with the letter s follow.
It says 12h24m29s
